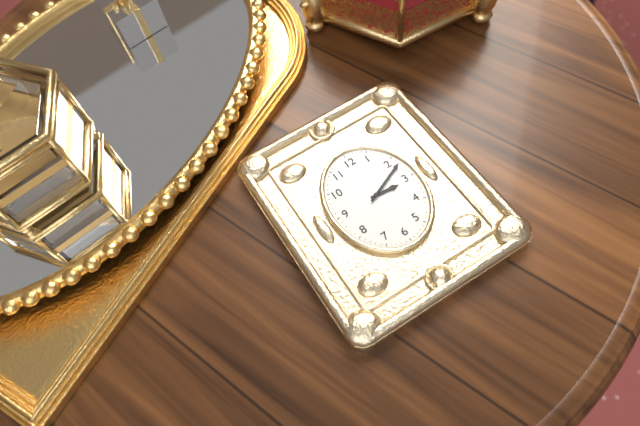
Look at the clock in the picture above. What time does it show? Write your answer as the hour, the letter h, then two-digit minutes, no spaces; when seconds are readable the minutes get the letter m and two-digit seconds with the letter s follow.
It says 3h11
